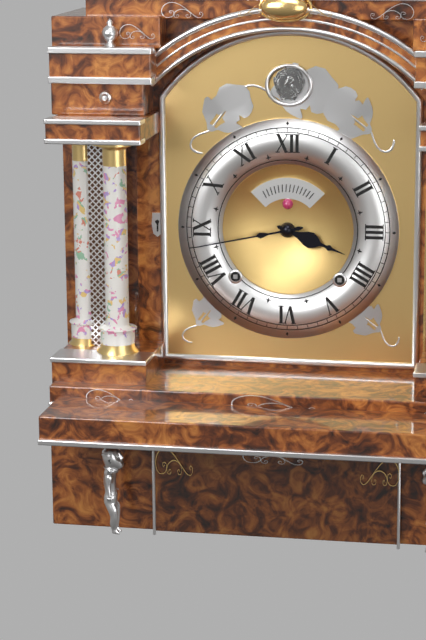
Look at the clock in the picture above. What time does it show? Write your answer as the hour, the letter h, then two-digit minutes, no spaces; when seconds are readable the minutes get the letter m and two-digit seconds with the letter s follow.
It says 3h43
